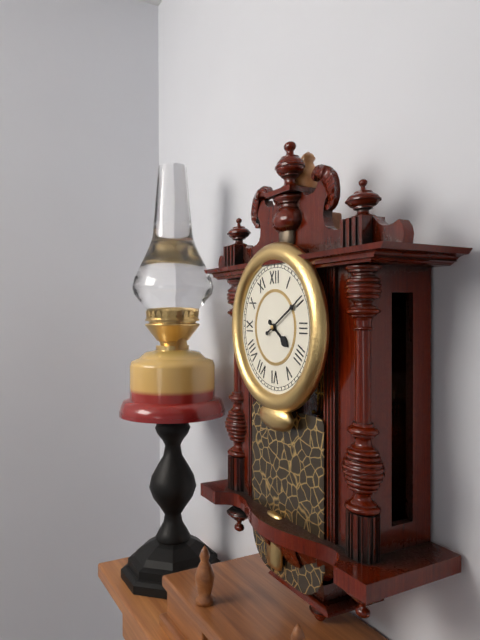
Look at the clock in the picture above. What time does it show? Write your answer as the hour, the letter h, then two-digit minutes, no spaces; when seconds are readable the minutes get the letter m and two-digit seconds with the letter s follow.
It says 4h10
